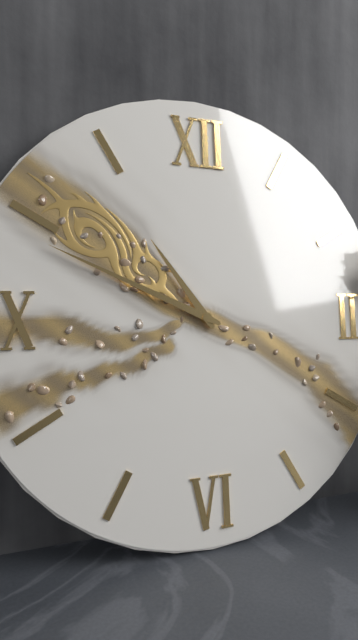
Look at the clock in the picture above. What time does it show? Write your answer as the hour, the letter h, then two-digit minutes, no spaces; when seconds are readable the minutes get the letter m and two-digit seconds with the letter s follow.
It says 10h49
